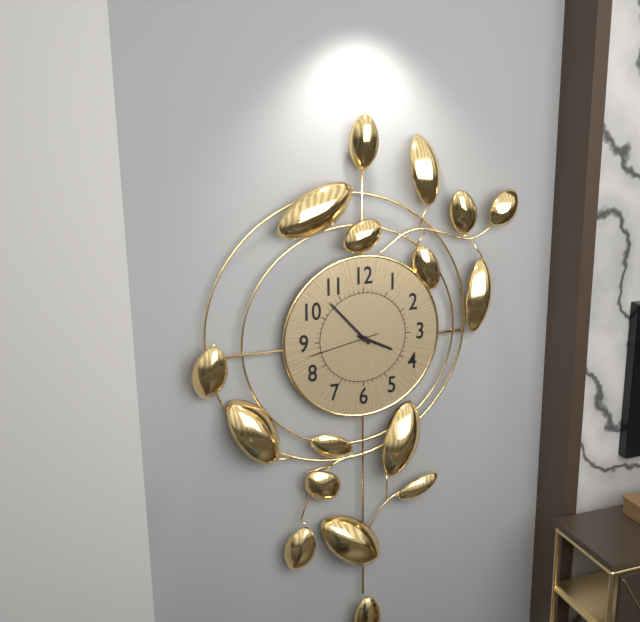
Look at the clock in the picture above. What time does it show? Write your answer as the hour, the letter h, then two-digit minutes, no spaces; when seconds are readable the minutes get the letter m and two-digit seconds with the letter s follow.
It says 3h53m43s
